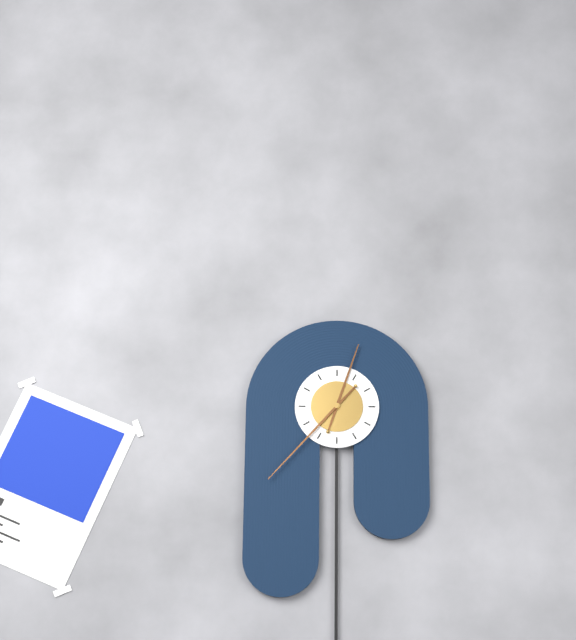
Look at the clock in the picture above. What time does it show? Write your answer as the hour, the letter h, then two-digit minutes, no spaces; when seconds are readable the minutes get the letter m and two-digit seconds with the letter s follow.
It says 12h37
